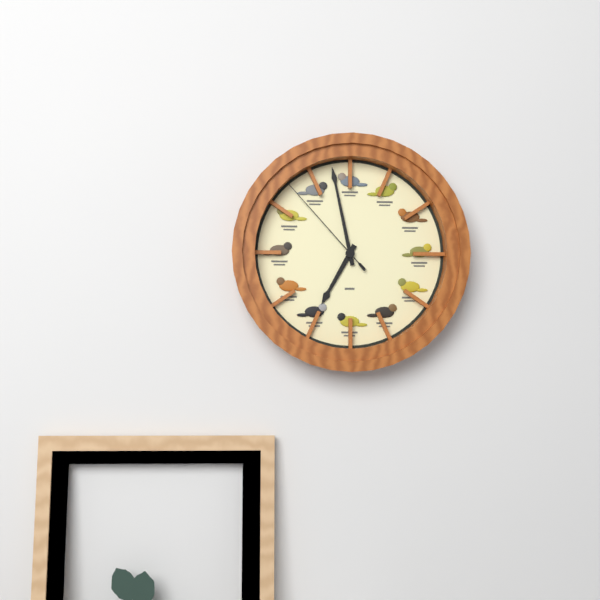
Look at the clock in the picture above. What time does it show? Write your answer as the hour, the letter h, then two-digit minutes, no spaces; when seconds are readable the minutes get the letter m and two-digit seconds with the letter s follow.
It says 6h58m53s
